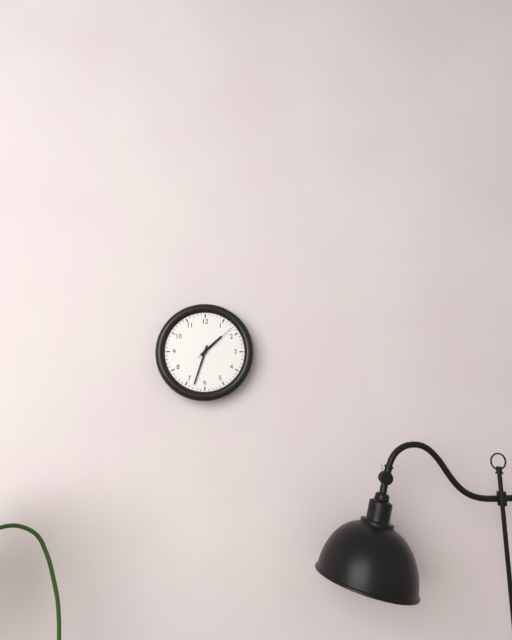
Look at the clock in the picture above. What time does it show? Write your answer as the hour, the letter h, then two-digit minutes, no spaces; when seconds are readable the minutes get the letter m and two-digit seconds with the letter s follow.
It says 1h33
